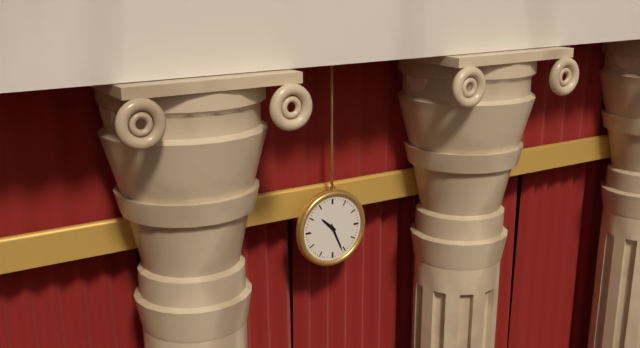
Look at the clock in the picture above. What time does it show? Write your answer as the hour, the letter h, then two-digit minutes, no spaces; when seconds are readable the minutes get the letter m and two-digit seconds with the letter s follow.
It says 10h26
